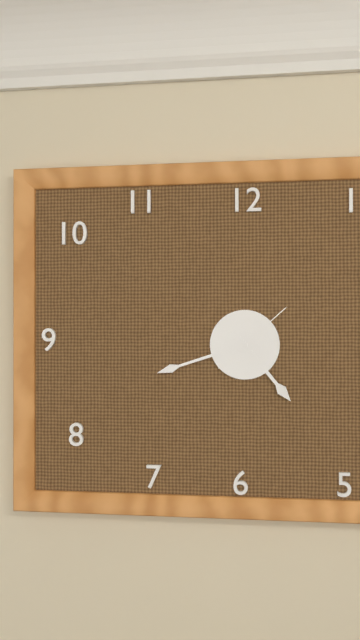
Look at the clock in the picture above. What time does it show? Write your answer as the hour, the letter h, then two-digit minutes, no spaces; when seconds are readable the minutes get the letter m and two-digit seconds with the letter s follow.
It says 4h42m08s
